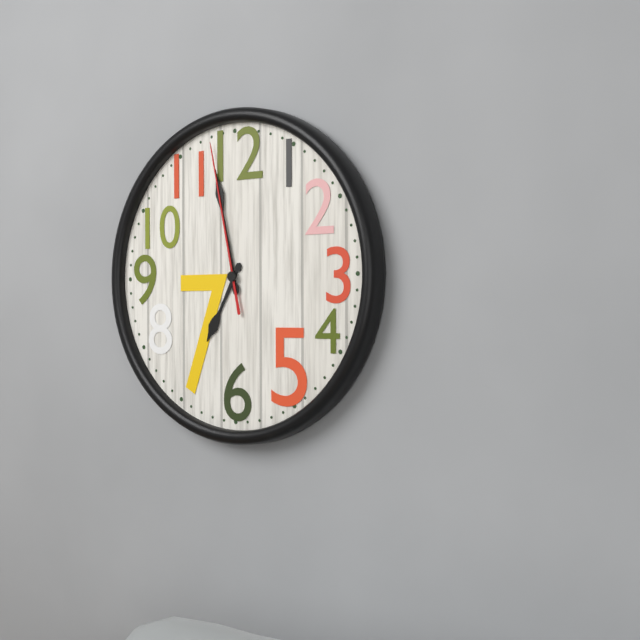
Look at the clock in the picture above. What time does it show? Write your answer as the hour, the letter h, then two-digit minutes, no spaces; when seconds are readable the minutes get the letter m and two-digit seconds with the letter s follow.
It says 6h58m58s
